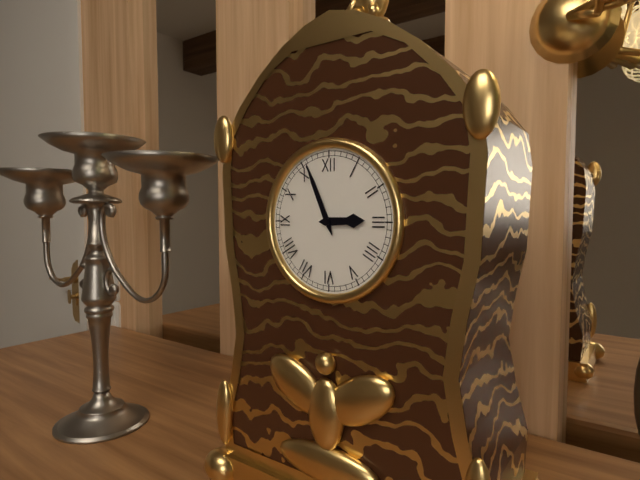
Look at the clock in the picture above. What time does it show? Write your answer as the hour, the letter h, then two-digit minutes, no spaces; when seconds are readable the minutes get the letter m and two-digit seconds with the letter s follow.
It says 2h56
